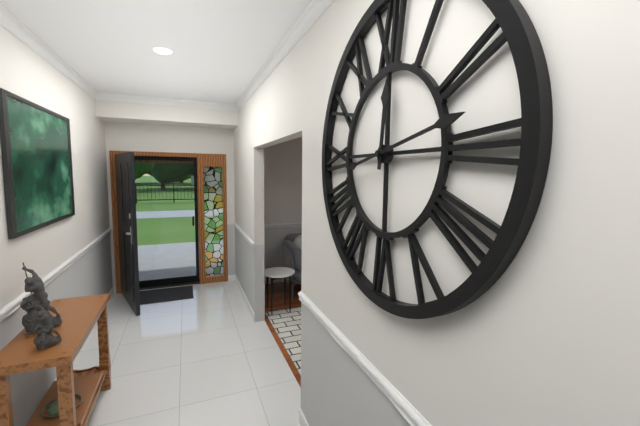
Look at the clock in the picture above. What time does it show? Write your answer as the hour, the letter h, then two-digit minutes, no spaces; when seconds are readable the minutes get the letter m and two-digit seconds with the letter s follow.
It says 12h13
